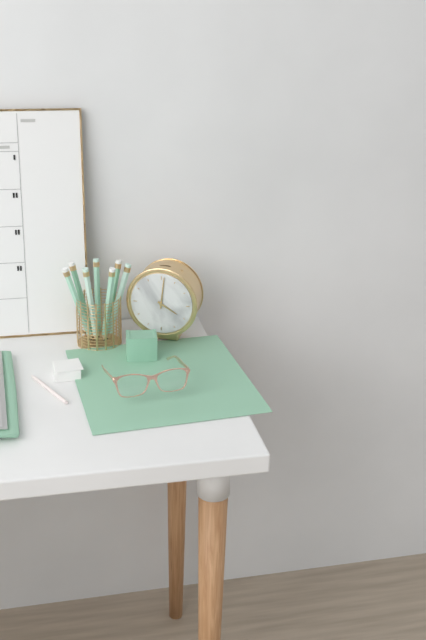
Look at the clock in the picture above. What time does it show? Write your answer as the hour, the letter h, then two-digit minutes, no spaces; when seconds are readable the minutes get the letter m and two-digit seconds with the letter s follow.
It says 4h01
